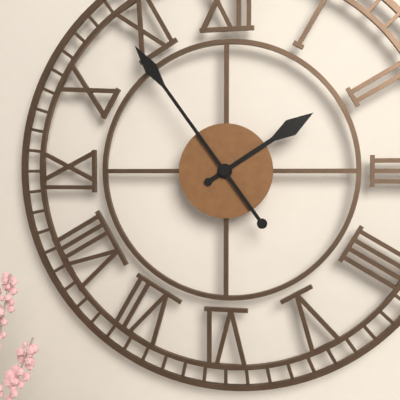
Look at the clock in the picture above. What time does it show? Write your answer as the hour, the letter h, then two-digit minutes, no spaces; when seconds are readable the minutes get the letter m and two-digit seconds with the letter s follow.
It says 1h54
